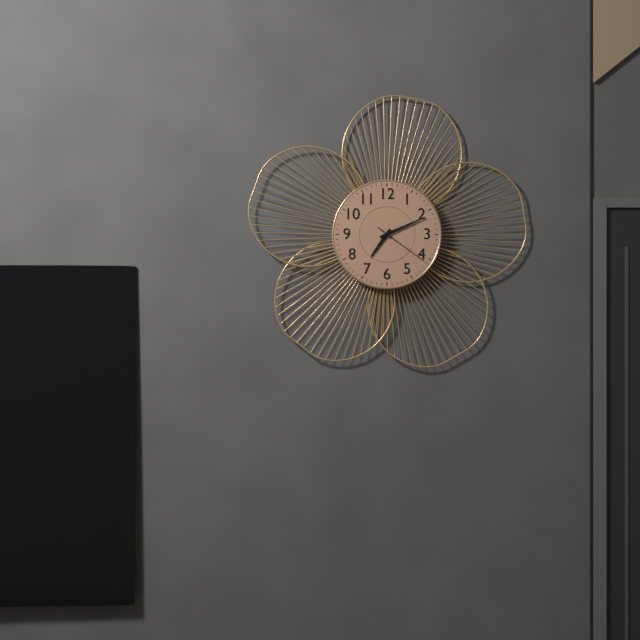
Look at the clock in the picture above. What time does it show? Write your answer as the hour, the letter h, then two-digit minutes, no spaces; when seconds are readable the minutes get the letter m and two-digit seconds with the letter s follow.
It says 7h11m21s
